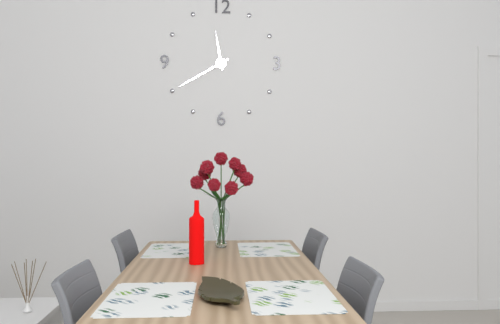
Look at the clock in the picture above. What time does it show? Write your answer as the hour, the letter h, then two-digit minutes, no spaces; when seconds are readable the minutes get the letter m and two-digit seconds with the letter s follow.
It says 11h40
